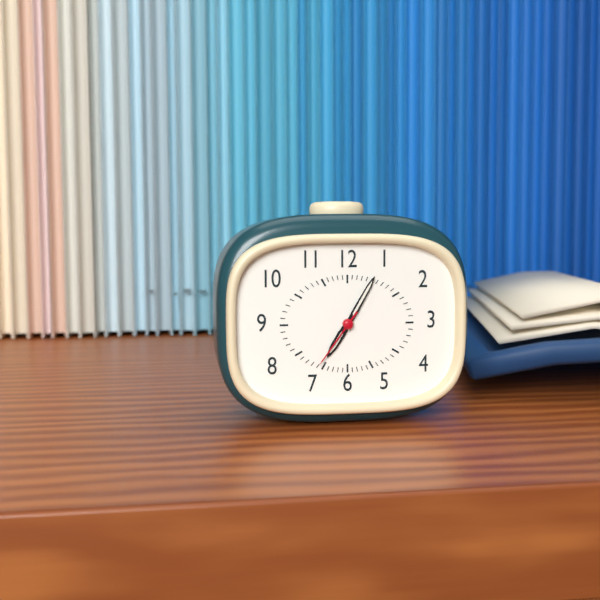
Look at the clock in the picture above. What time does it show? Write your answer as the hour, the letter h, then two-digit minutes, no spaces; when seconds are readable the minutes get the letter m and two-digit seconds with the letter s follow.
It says 7h05m36s
